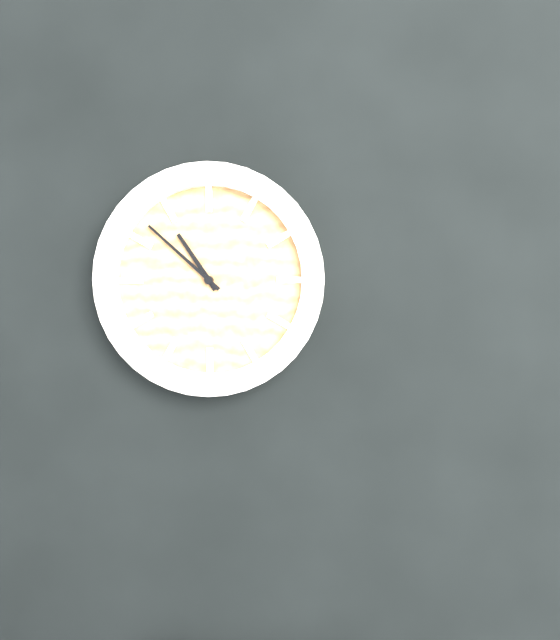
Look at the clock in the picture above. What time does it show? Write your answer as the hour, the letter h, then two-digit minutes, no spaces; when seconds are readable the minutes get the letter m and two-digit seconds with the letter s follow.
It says 10h52
